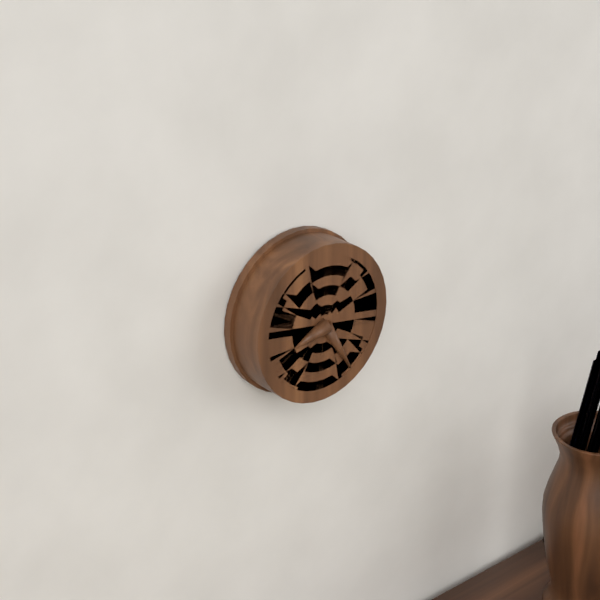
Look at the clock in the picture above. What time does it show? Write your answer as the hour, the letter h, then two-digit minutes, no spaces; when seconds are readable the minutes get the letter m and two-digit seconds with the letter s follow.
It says 8h25
